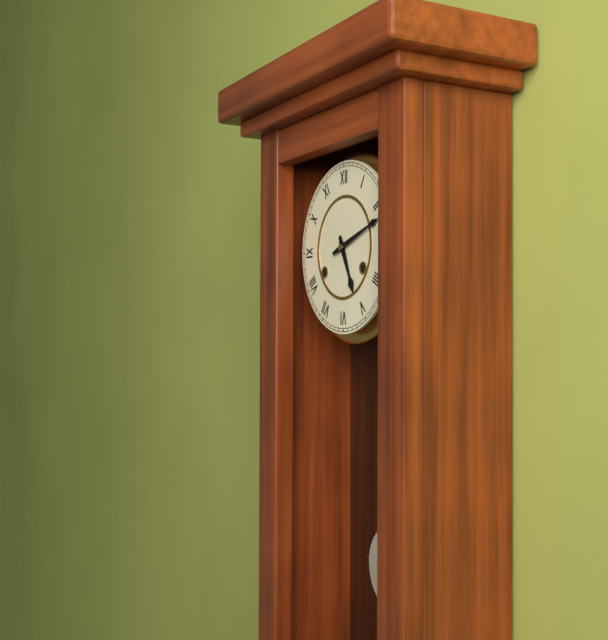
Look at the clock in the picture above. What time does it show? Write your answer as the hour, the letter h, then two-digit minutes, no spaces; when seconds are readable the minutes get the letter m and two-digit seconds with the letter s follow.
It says 5h12
